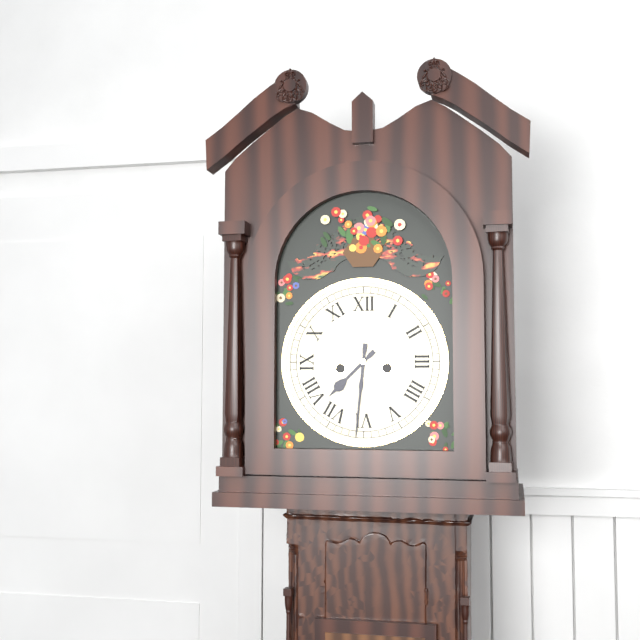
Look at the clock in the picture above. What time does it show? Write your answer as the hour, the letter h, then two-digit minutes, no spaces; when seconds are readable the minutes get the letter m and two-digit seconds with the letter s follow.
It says 7h31
